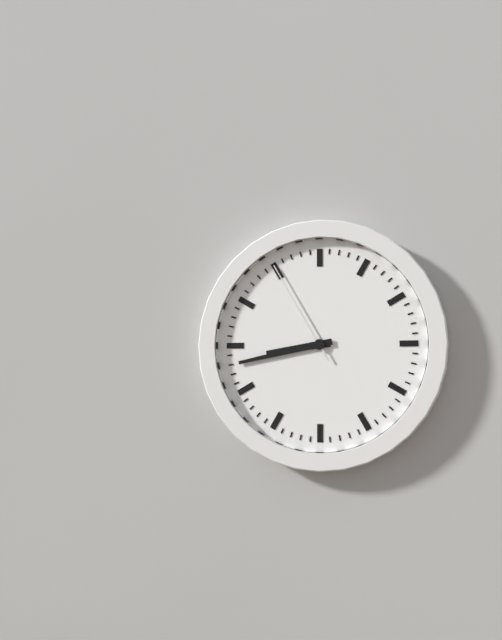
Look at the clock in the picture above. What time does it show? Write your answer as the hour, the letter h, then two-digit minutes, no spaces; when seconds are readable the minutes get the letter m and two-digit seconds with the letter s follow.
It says 8h43m55s
